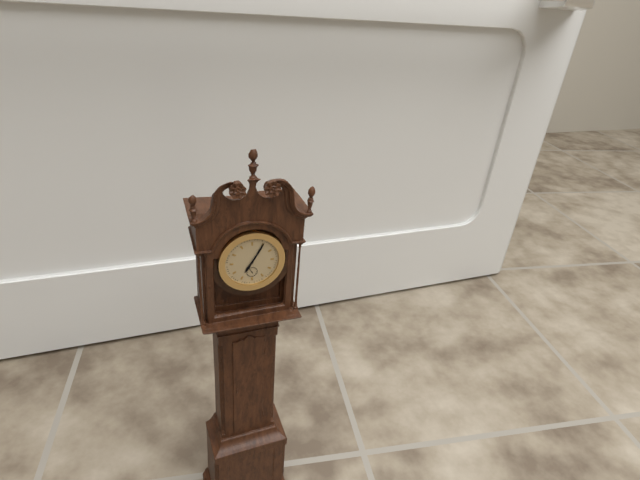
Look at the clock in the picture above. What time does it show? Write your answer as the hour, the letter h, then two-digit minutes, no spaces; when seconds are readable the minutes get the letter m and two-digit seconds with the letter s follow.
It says 7h05
